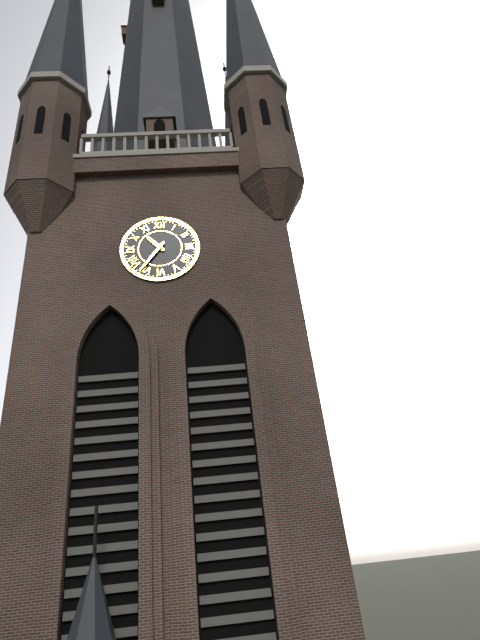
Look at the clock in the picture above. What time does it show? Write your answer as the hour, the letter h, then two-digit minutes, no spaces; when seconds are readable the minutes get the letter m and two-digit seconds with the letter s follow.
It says 10h36
